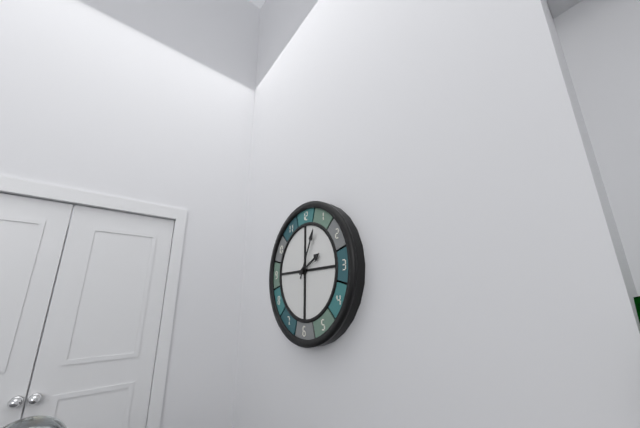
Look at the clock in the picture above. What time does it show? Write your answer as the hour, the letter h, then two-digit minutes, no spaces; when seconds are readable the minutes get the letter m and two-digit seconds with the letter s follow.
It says 2h04
